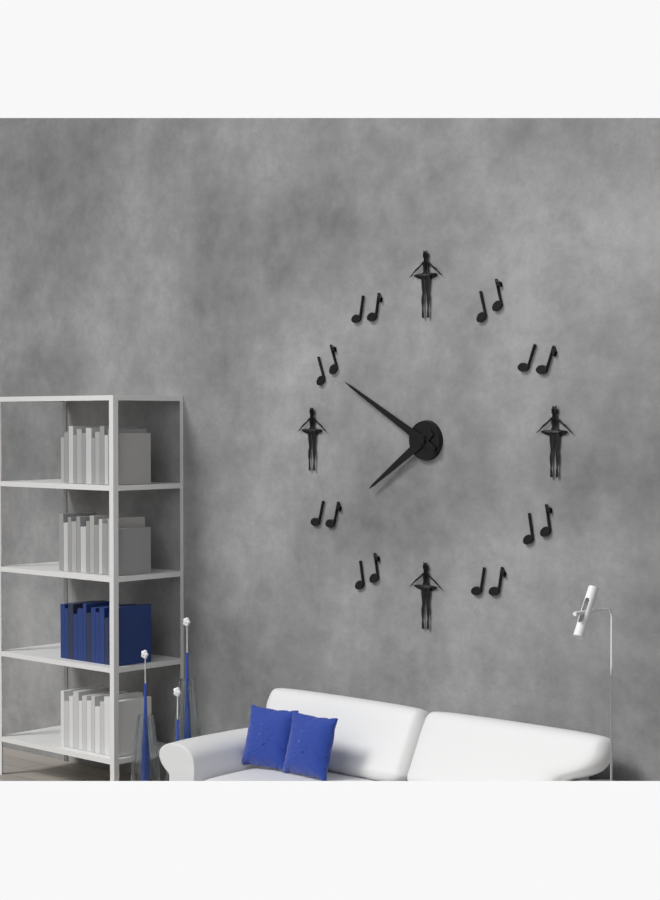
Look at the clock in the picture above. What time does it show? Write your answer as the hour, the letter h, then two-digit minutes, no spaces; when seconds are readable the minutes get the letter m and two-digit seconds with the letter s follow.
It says 7h50
